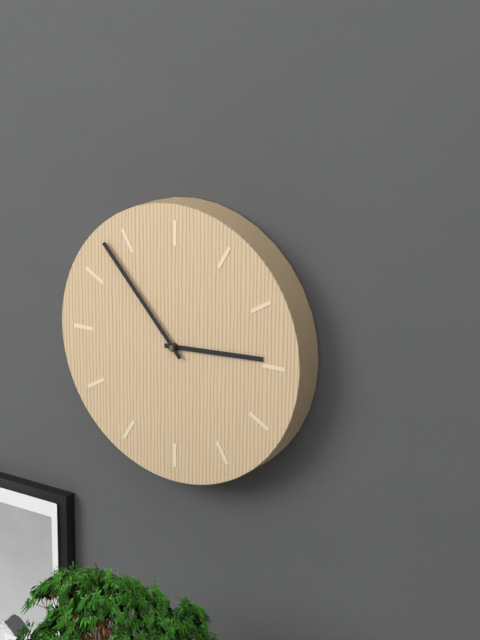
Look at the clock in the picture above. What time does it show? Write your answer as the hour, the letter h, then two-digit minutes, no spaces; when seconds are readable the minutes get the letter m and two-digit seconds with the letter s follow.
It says 2h53
